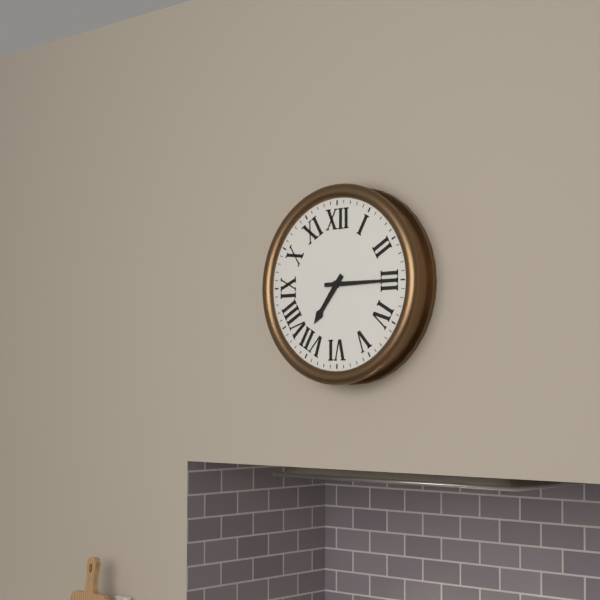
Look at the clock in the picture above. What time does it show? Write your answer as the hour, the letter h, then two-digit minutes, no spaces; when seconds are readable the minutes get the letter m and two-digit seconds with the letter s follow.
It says 7h15
